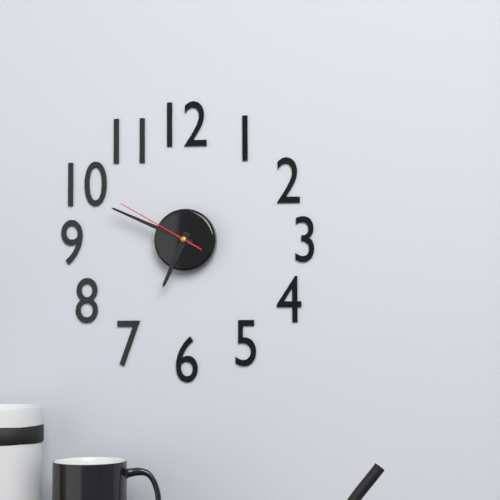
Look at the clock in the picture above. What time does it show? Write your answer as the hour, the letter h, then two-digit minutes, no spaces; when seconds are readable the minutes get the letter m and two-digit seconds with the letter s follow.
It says 6h49m50s
